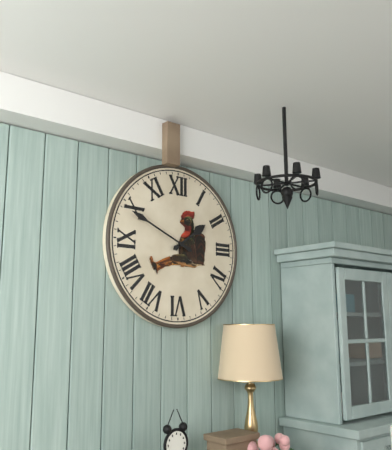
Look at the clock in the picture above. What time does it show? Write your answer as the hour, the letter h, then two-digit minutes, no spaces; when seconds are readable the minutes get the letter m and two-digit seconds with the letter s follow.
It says 1h49
